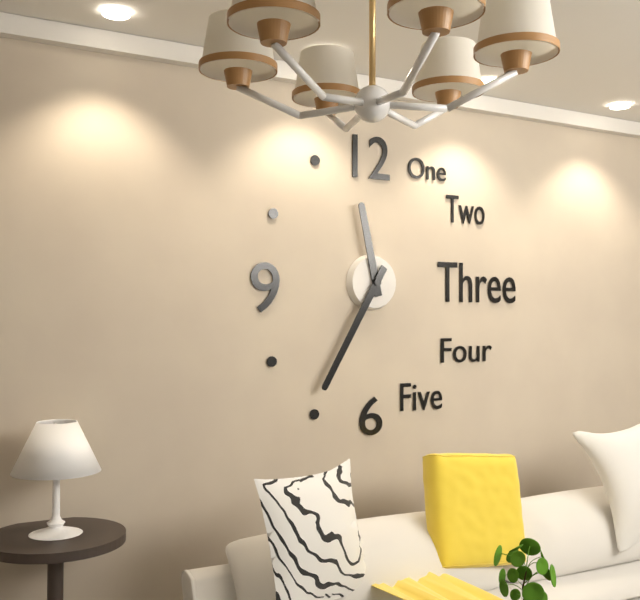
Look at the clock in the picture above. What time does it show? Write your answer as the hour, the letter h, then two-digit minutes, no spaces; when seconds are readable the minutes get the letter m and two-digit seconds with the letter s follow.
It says 11h35
